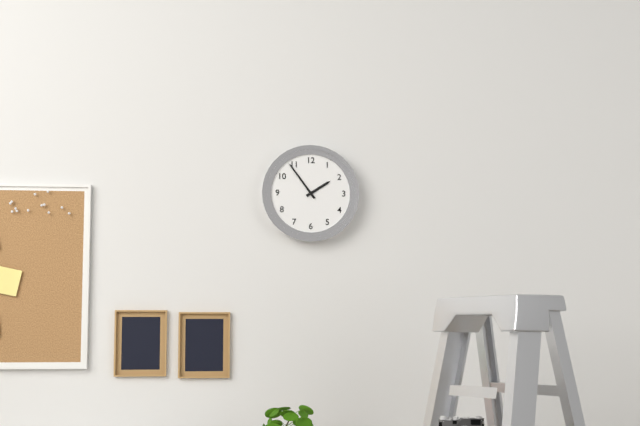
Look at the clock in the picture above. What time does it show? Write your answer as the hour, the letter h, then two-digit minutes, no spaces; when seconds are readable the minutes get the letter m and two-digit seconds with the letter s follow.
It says 1h54
